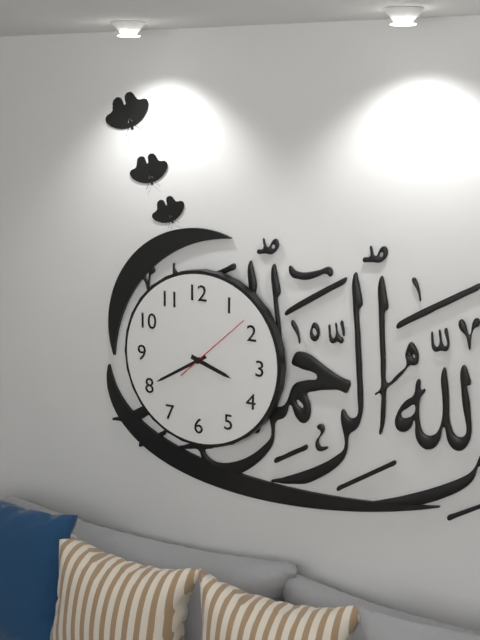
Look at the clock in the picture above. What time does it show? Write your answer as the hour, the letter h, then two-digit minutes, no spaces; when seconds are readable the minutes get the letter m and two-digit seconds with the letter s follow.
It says 3h40m08s
